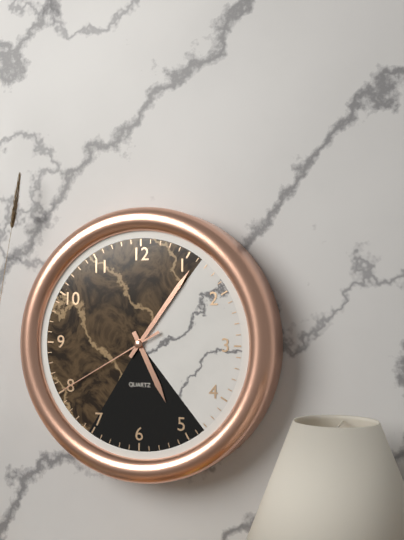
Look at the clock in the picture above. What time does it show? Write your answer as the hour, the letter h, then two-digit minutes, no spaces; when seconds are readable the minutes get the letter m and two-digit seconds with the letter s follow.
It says 5h06m40s
